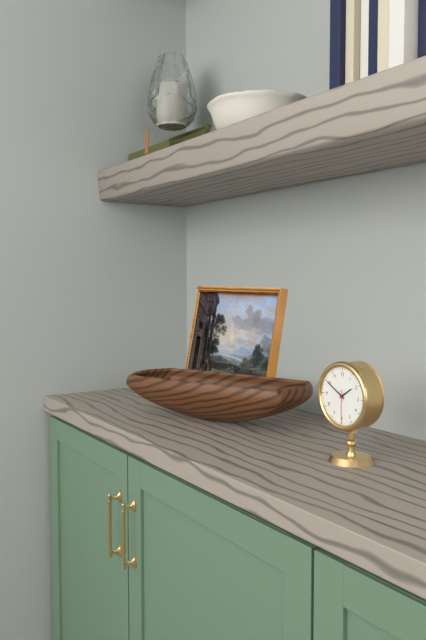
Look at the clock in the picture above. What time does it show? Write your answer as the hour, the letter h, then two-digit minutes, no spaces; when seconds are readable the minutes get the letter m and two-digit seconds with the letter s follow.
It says 1h50
